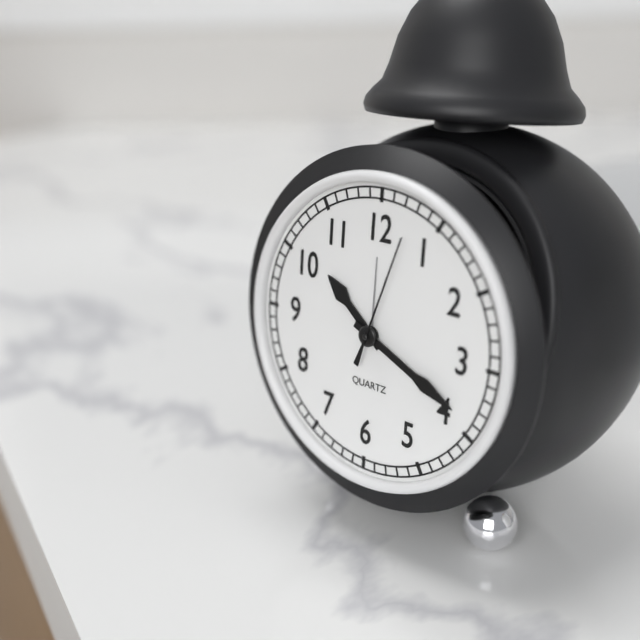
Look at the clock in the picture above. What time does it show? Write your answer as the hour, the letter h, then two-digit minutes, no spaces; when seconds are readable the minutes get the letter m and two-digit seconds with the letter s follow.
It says 10h19m03s
